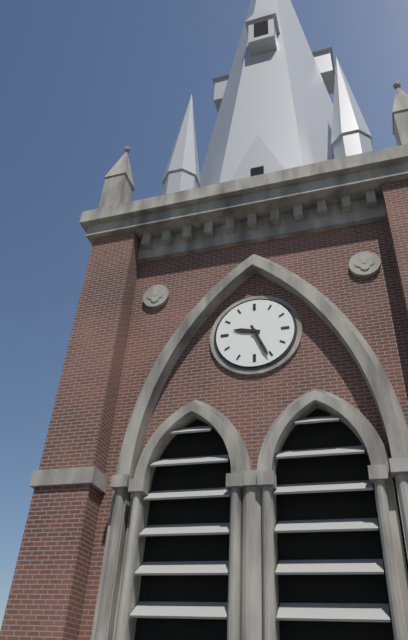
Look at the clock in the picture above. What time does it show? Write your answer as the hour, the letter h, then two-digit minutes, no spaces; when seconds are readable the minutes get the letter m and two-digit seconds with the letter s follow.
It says 9h26
